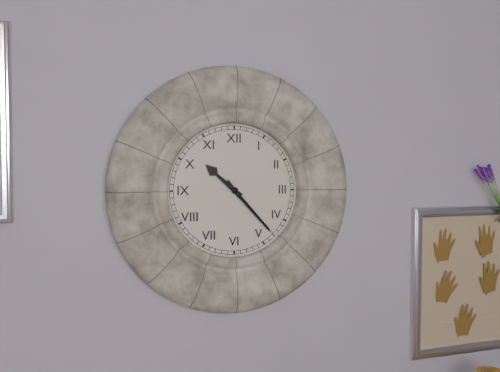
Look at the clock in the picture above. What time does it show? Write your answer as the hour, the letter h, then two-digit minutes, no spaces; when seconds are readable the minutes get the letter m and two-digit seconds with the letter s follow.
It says 10h23
